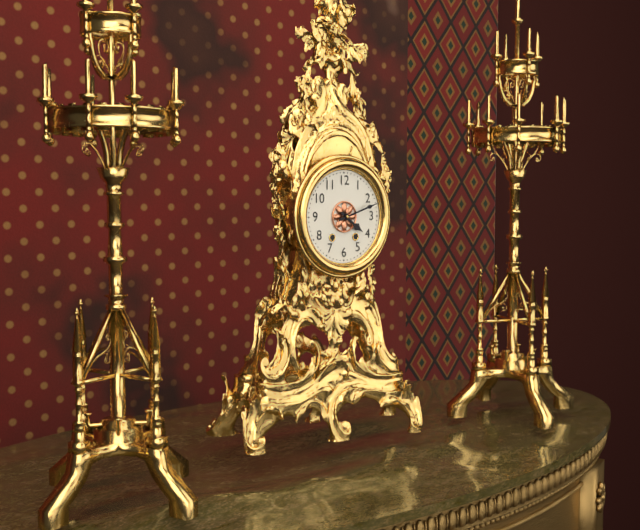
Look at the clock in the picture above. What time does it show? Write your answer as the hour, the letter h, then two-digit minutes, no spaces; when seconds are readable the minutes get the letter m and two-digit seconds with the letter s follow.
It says 4h12
